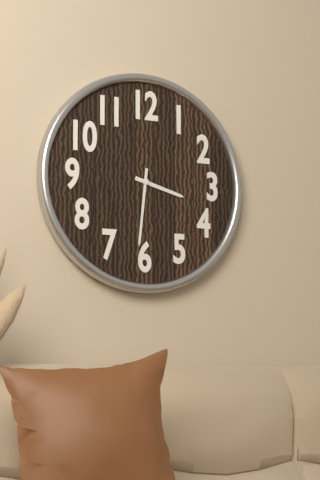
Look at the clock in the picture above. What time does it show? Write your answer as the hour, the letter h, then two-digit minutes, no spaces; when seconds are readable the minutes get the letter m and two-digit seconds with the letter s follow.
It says 3h31
